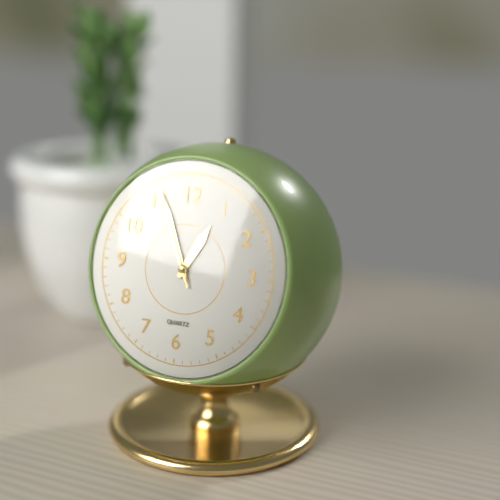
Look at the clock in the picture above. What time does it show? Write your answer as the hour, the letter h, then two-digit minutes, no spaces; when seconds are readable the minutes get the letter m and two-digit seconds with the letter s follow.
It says 12h56m56s
